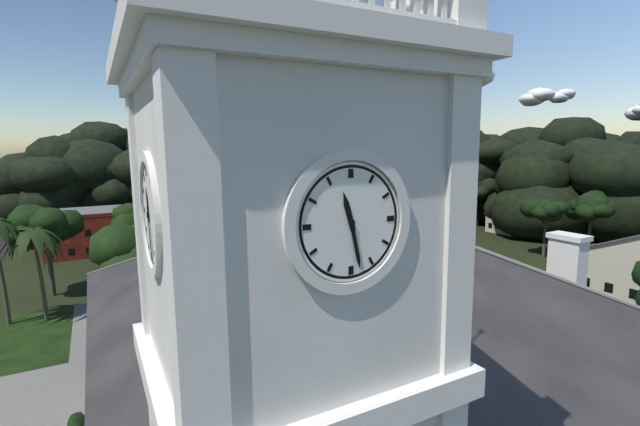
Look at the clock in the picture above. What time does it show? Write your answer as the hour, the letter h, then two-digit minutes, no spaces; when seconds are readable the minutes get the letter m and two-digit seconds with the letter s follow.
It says 11h28
